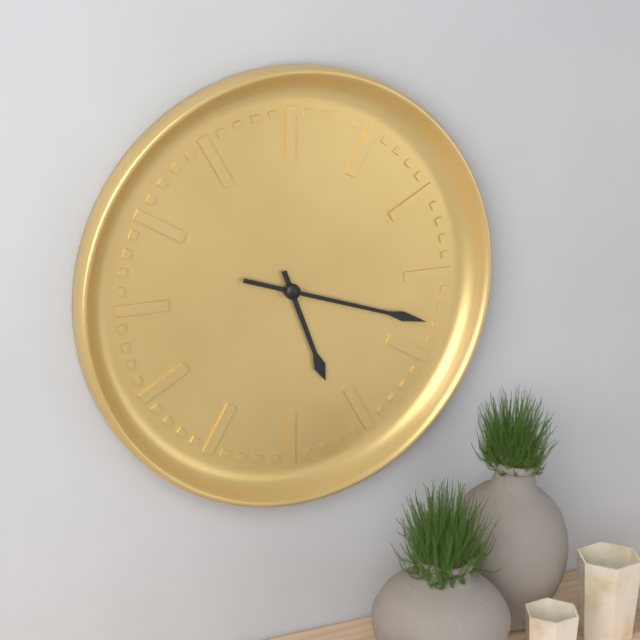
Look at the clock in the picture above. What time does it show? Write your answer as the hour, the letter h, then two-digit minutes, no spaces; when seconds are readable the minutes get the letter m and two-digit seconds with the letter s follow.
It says 5h18
